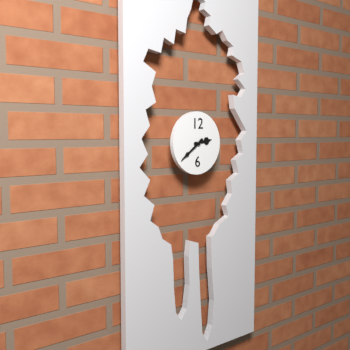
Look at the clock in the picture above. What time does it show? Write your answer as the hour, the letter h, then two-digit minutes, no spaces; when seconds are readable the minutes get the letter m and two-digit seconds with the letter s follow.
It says 2h39
